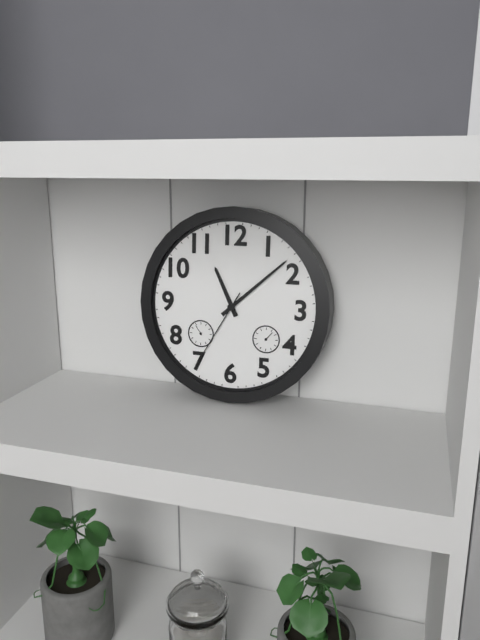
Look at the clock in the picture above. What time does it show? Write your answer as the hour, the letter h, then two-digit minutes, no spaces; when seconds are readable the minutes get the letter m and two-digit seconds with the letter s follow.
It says 11h08m35s
